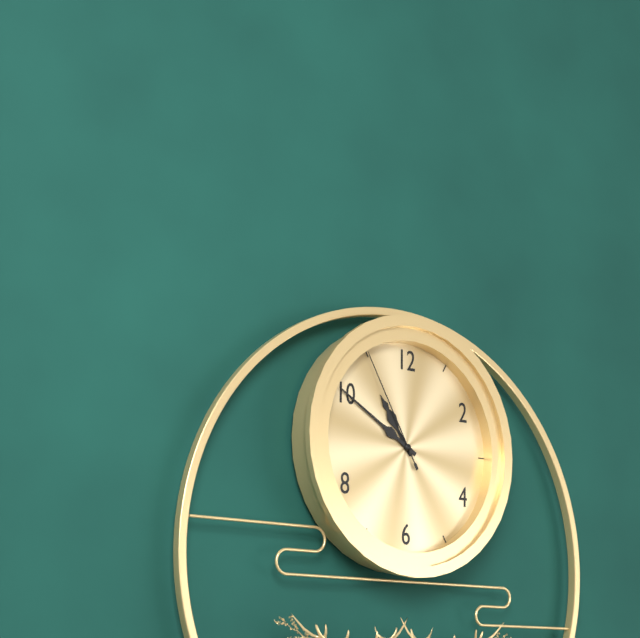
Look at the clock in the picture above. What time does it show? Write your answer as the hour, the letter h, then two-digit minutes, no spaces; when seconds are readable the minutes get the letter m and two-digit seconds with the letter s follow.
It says 10h50m55s
